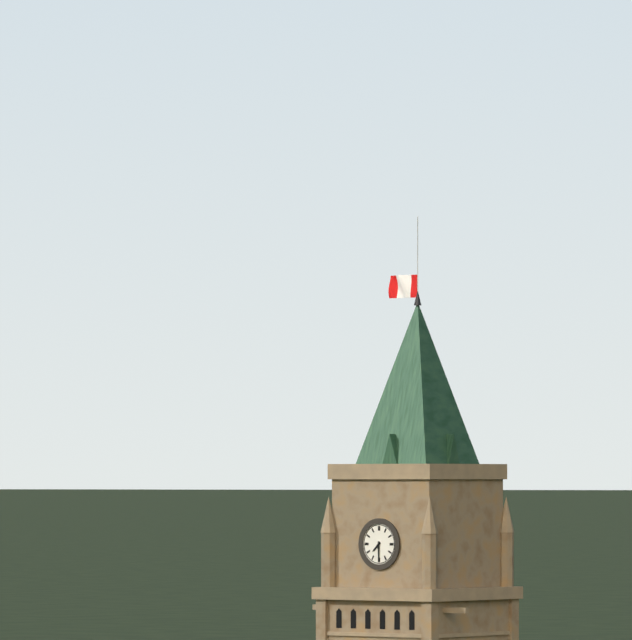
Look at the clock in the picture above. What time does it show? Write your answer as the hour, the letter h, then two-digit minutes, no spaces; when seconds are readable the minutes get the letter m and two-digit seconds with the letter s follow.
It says 7h30
